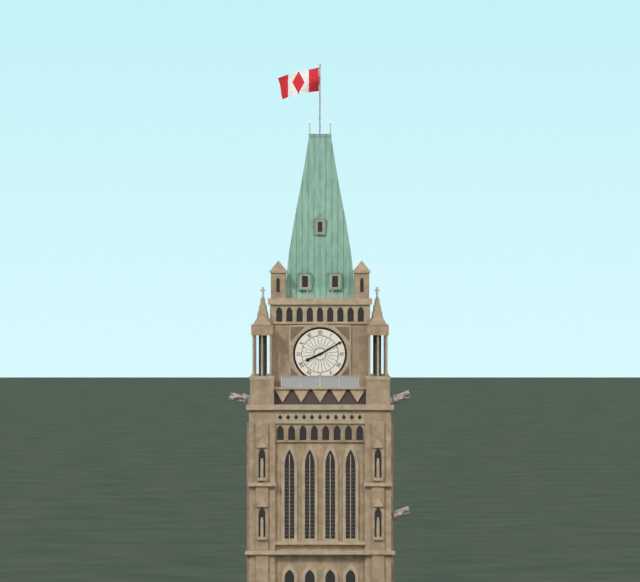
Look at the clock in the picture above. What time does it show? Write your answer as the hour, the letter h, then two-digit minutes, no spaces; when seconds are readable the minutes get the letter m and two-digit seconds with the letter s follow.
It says 8h10
